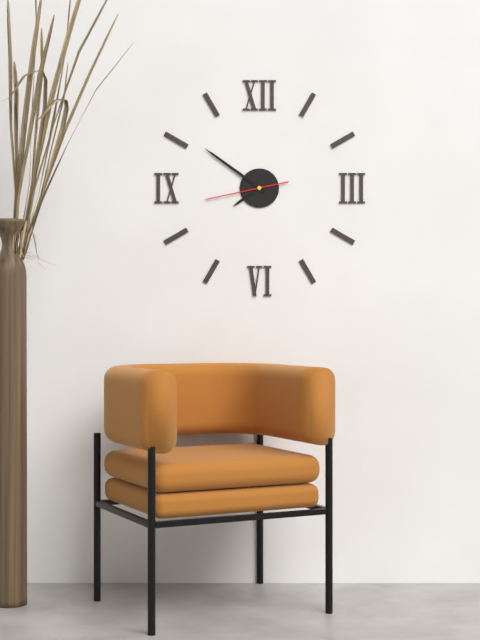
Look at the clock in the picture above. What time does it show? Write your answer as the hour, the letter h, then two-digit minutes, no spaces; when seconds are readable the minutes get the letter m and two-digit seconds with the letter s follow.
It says 7h51m43s
